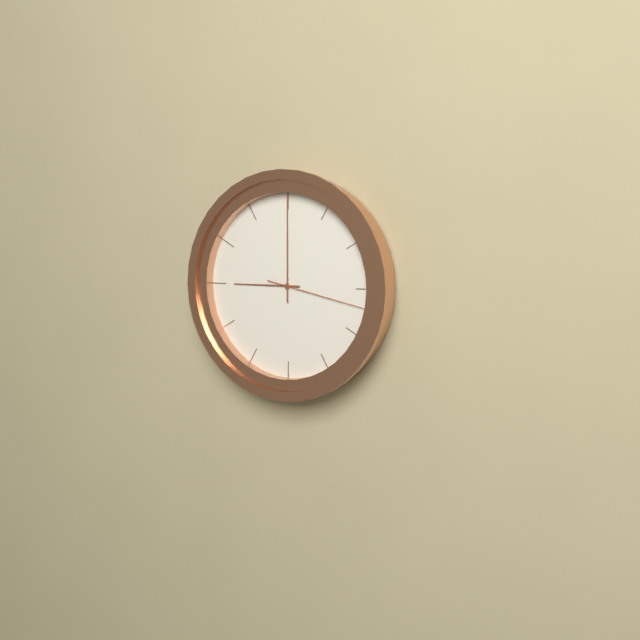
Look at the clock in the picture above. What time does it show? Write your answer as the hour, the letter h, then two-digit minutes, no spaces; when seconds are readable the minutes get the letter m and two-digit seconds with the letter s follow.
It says 9h00m17s
